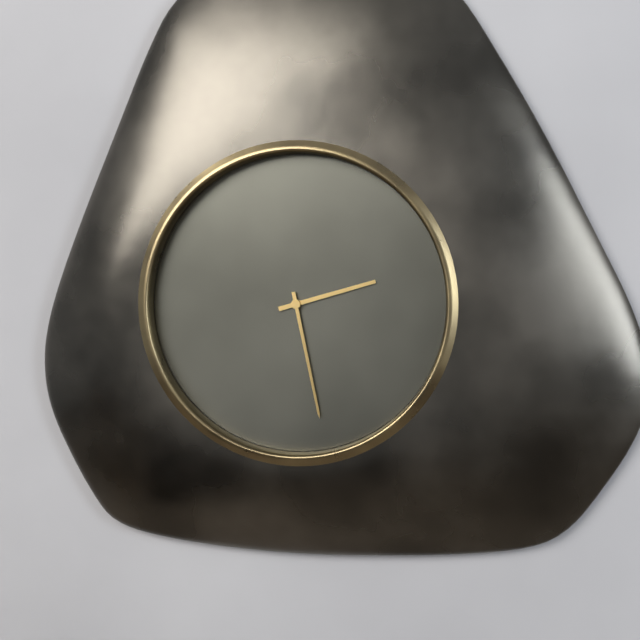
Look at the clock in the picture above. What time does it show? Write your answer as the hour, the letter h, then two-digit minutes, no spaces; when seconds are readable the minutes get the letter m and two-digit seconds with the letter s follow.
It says 2h28
